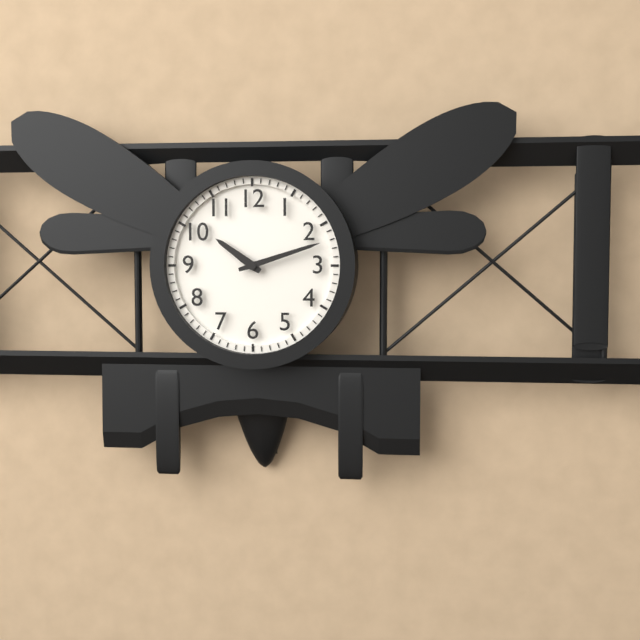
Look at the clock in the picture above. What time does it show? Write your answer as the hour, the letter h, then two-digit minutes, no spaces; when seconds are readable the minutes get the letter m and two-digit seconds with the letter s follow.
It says 10h12
